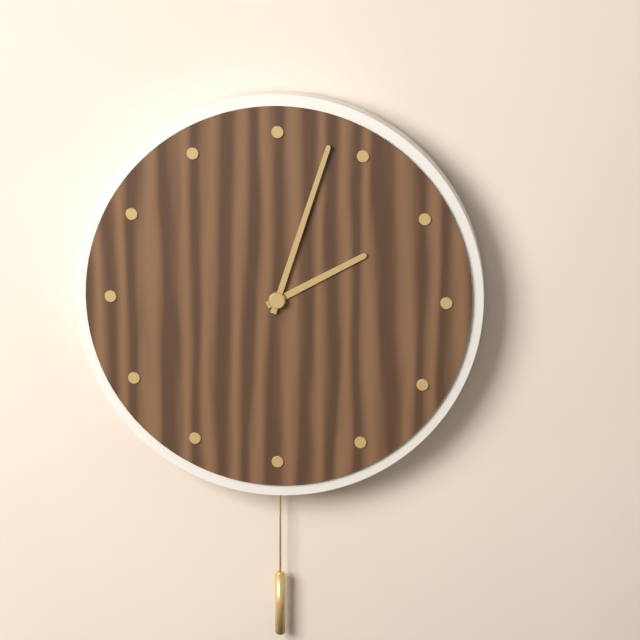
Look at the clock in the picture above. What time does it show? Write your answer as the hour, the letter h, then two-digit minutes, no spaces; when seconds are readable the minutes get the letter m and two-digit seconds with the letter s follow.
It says 2h03
